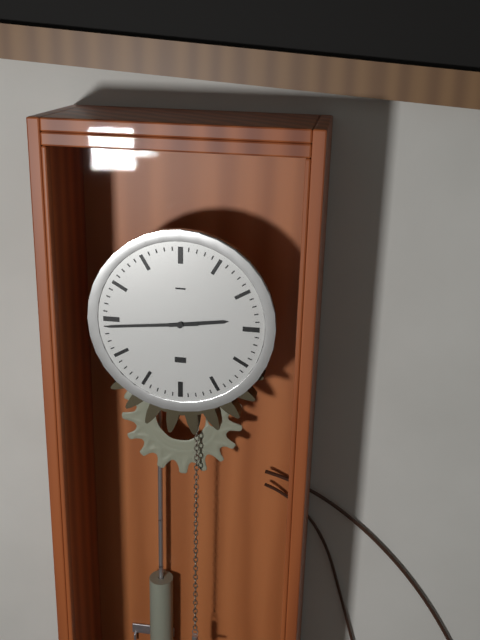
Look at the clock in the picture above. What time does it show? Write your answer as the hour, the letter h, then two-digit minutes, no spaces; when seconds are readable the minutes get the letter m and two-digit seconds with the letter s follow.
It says 2h44
